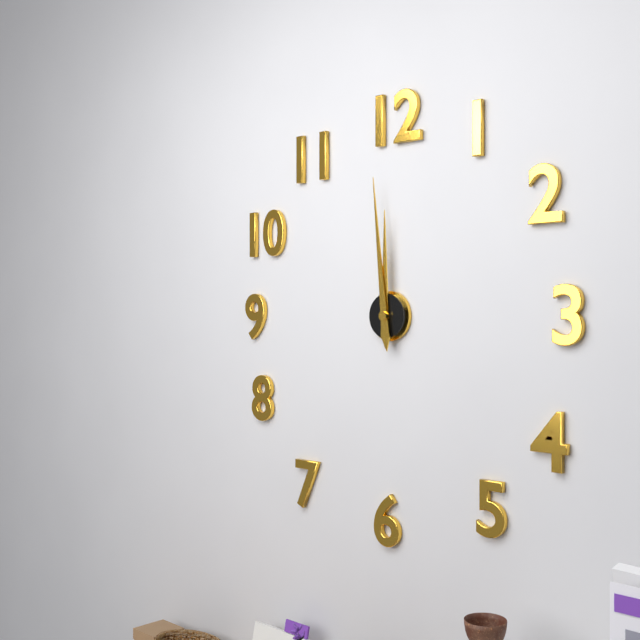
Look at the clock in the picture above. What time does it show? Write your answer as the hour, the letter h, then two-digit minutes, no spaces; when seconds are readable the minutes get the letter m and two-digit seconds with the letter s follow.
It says 11h59
